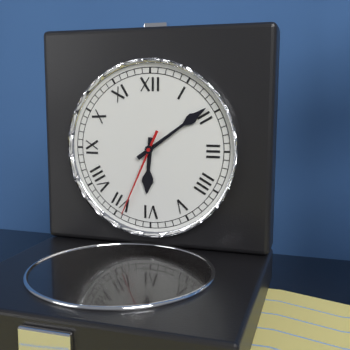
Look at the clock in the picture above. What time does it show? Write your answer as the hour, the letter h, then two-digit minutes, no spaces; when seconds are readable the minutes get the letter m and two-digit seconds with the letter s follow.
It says 6h09m34s
